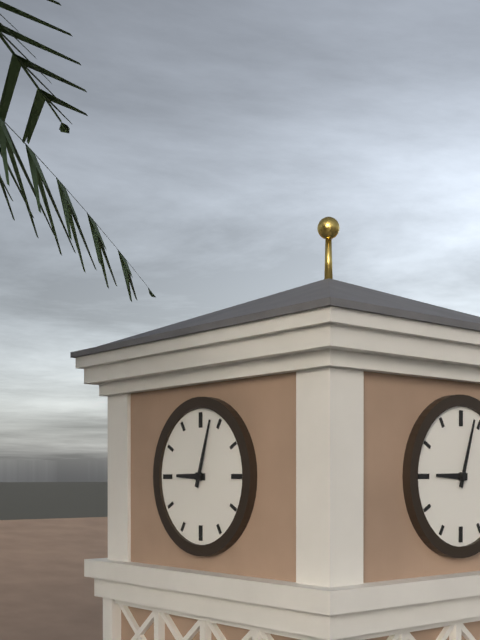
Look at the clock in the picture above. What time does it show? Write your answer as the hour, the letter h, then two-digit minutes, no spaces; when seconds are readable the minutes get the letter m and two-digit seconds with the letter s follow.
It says 9h03
